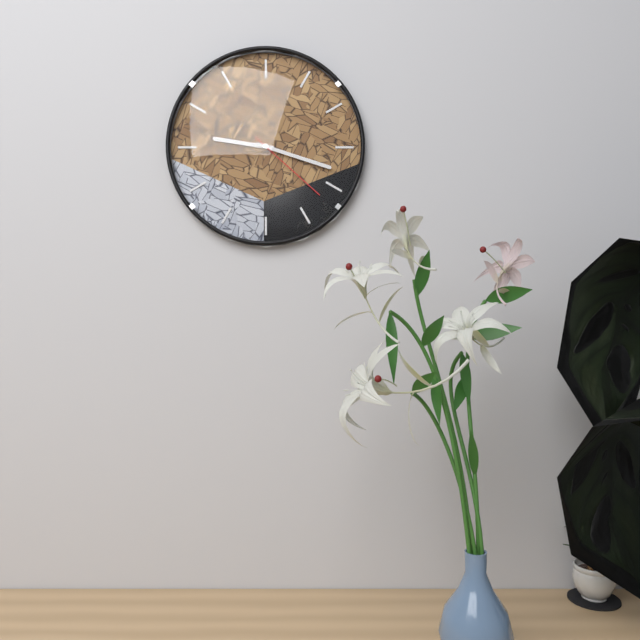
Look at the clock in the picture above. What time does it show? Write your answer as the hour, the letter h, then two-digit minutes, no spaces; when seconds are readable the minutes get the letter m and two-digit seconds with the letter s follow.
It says 9h18m22s
